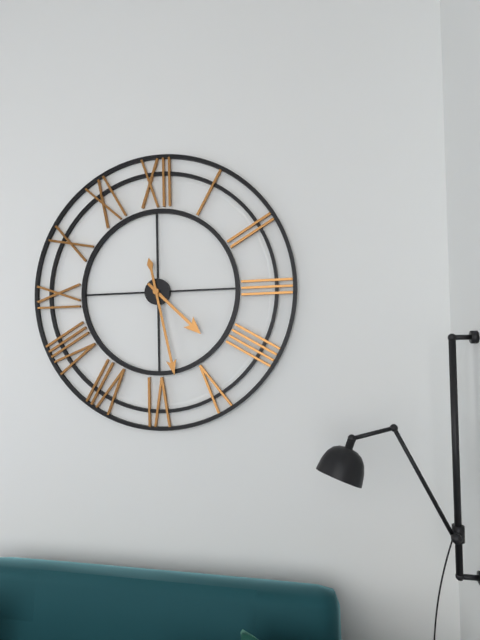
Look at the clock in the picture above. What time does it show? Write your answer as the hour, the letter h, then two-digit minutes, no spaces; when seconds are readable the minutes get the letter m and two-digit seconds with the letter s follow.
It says 4h28
